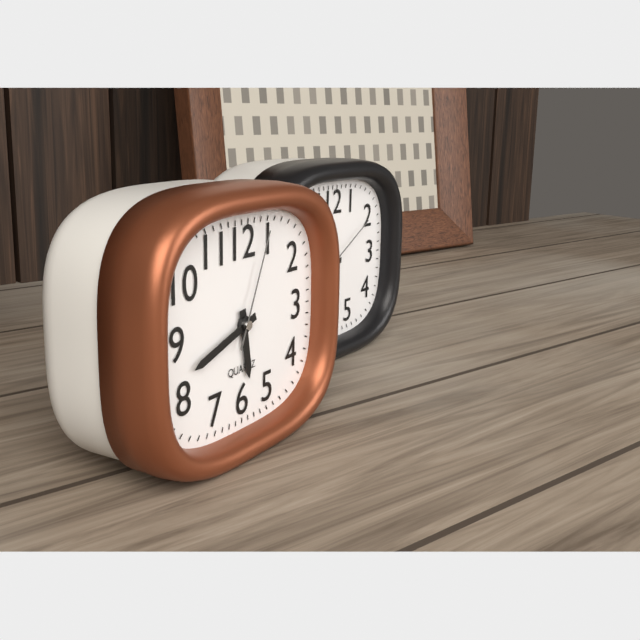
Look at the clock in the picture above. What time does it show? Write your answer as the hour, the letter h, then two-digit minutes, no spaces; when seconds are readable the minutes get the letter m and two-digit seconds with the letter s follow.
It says 5h42m04s
